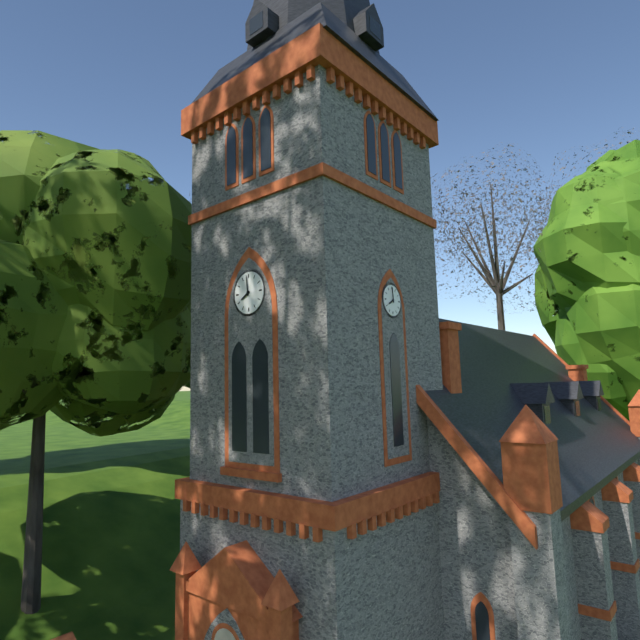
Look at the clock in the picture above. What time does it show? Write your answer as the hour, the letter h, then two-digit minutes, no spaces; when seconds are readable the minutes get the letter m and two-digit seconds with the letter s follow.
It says 7h59
